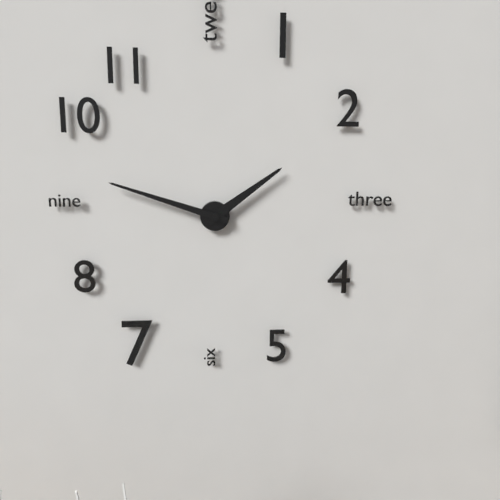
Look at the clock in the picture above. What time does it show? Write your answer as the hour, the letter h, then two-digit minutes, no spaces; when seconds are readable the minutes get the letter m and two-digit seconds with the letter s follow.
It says 1h48
